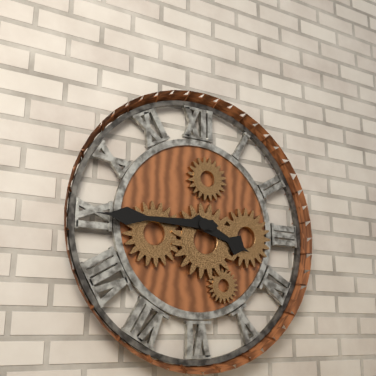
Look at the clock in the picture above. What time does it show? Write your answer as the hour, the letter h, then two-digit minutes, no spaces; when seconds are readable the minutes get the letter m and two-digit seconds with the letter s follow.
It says 3h45
